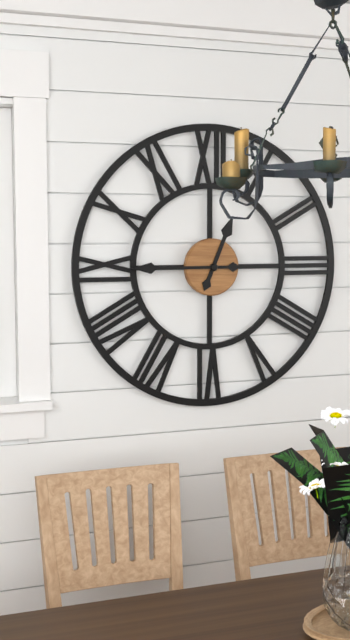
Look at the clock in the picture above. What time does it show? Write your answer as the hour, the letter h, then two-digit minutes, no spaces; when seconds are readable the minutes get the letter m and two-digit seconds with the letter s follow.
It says 12h45
